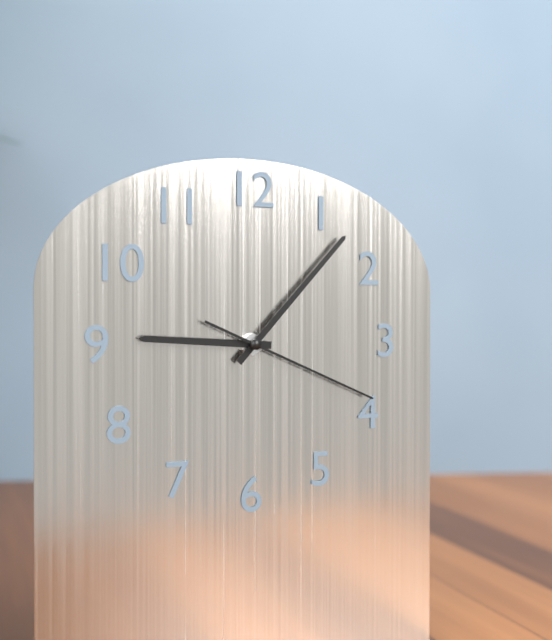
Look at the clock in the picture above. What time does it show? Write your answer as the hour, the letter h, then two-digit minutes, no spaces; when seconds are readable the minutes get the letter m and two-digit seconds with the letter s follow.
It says 9h07m19s
